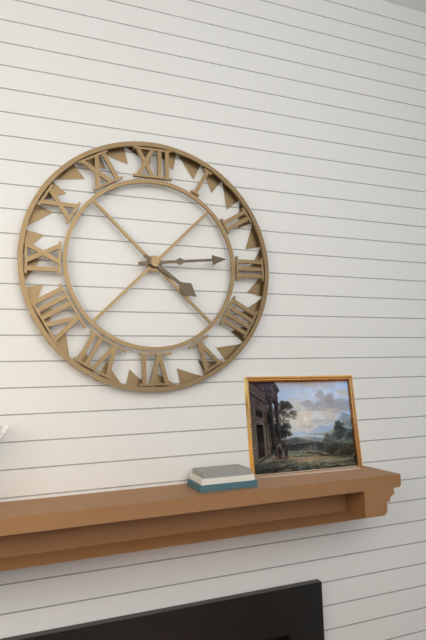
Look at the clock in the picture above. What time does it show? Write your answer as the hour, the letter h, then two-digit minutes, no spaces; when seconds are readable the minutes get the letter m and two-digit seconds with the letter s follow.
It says 4h14
